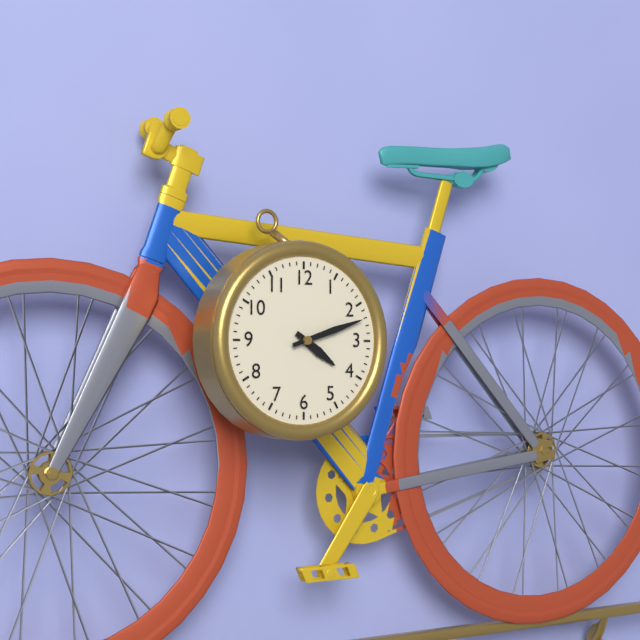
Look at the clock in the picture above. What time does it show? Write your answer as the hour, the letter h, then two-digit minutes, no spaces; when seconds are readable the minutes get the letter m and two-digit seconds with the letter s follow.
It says 4h12
